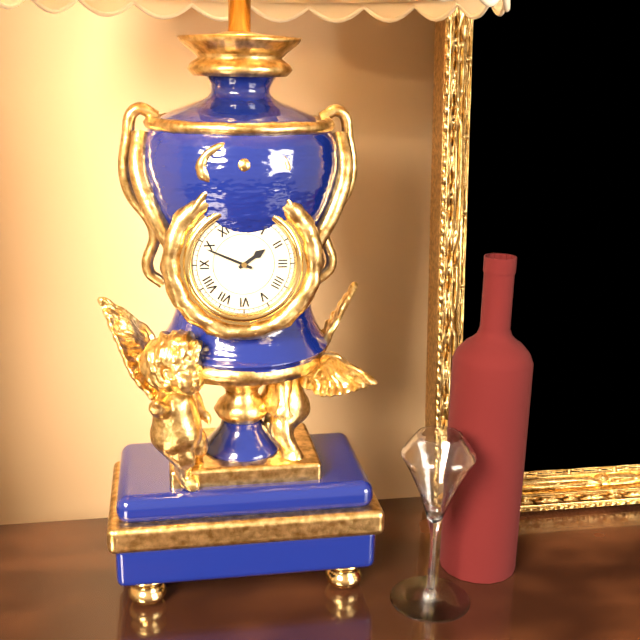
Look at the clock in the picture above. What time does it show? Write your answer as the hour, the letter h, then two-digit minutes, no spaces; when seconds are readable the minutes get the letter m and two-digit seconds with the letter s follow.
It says 1h49
